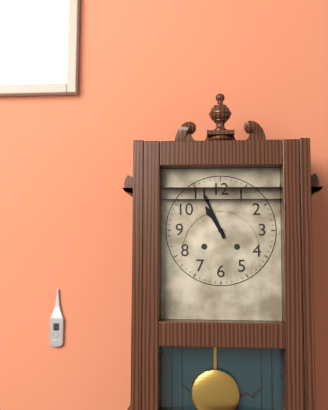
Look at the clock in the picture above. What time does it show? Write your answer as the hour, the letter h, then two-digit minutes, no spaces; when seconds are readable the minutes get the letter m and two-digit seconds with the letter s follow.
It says 10h56
